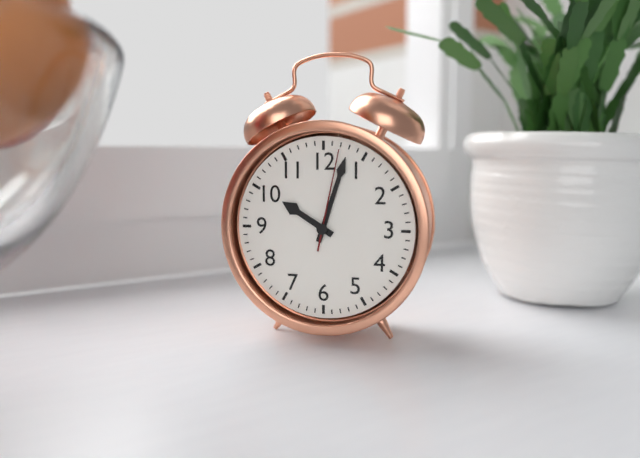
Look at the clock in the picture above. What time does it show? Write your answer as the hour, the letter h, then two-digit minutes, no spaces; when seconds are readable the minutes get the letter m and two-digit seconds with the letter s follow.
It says 10h03m02s
